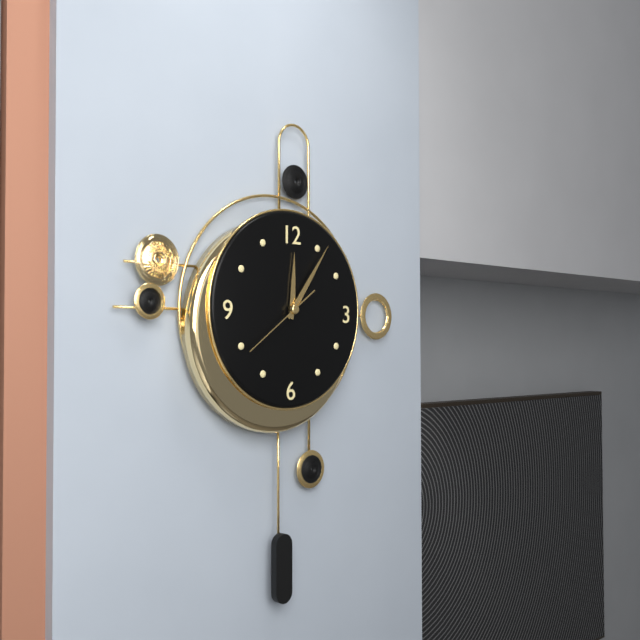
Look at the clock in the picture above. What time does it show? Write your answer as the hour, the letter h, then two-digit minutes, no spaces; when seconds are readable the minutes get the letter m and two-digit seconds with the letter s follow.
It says 12h06m39s
